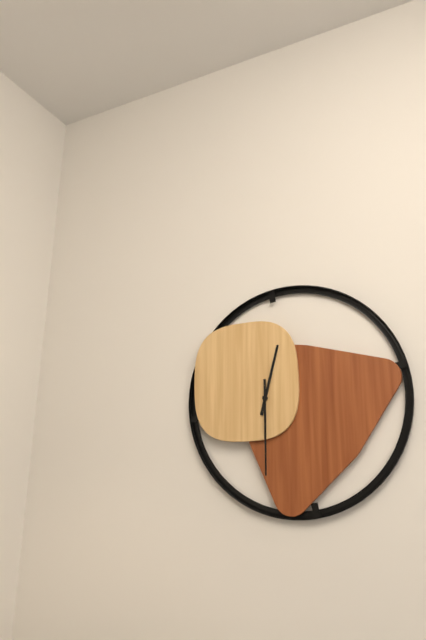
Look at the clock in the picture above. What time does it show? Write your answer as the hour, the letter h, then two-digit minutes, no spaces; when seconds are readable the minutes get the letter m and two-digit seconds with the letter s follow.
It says 12h30
